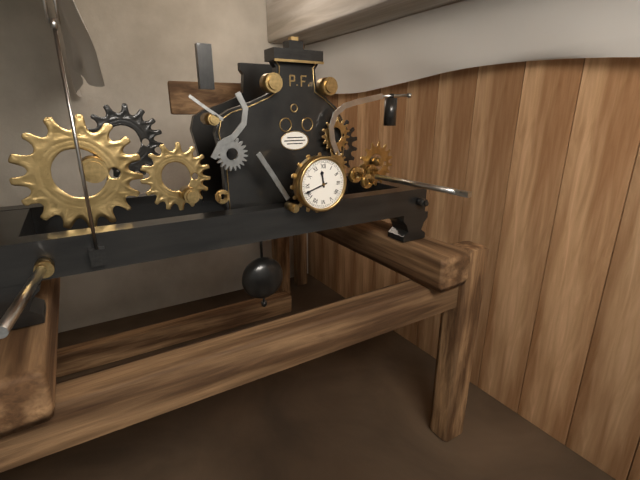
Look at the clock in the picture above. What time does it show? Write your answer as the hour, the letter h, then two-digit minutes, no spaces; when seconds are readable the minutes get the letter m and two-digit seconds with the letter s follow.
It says 11h42
